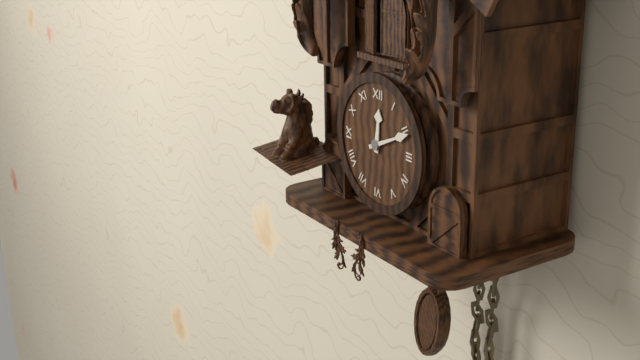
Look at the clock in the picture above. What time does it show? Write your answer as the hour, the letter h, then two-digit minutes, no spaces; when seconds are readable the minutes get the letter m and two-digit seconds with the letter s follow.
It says 12h11
